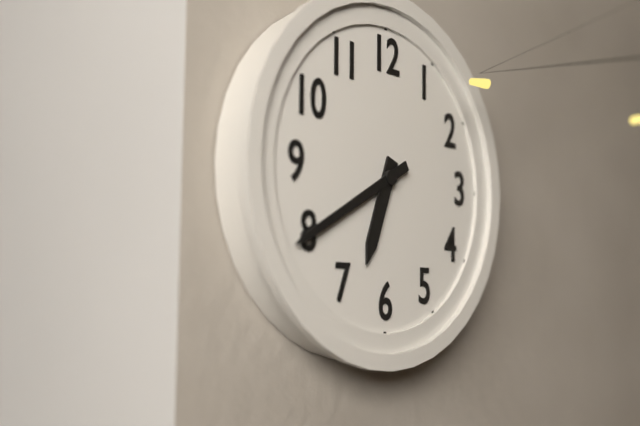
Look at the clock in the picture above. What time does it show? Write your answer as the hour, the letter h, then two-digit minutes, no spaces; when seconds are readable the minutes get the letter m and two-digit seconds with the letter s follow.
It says 6h40
